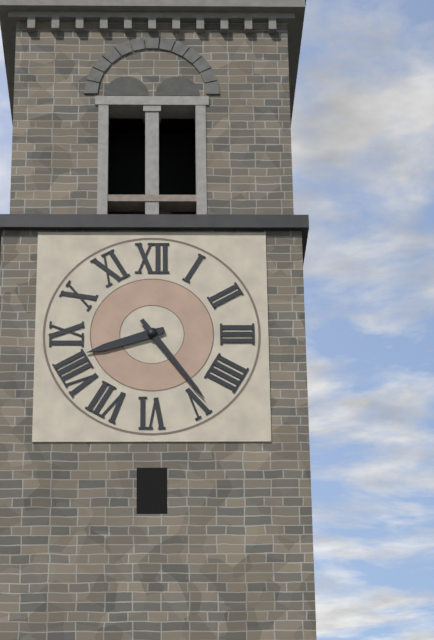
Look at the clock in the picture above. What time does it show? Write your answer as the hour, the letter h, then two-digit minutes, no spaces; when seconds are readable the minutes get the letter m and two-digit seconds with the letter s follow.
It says 8h24
